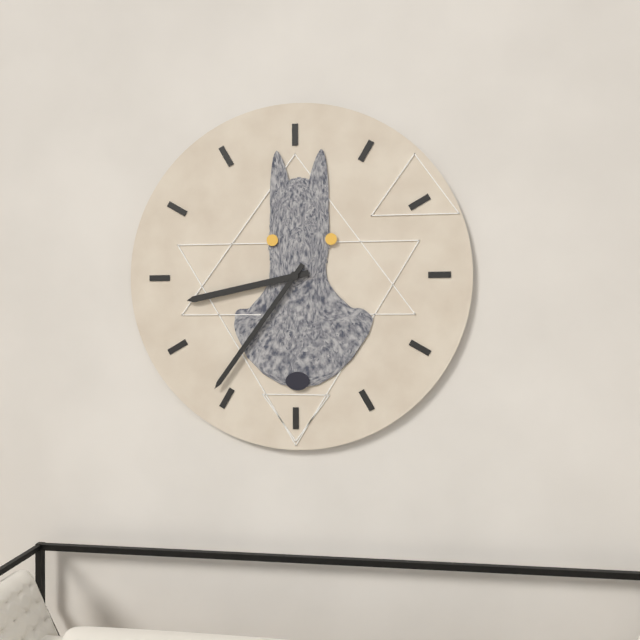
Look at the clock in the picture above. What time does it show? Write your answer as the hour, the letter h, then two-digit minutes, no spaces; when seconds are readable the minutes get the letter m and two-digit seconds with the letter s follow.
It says 8h36
